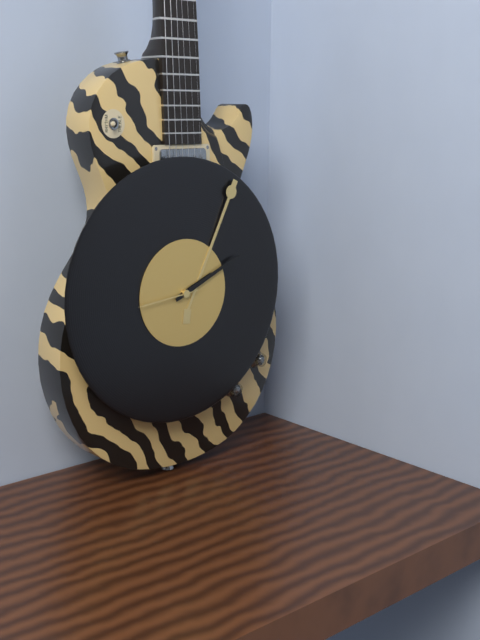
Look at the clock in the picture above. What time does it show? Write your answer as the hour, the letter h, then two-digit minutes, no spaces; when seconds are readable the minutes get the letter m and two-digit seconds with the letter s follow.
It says 2h11m44s
